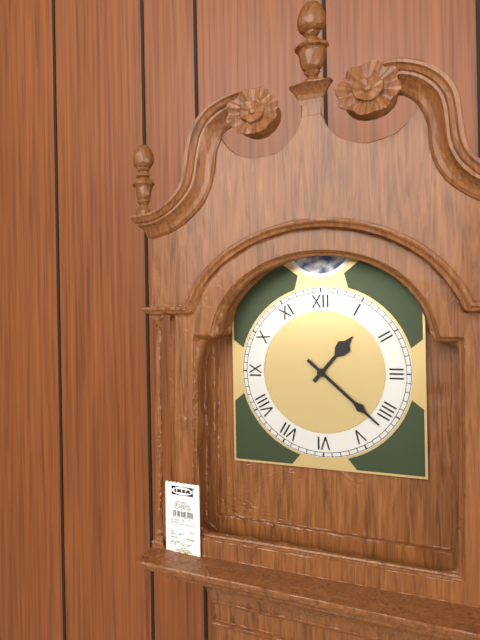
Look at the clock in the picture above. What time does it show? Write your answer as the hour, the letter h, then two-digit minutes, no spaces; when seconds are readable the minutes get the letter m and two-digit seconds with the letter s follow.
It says 1h22
